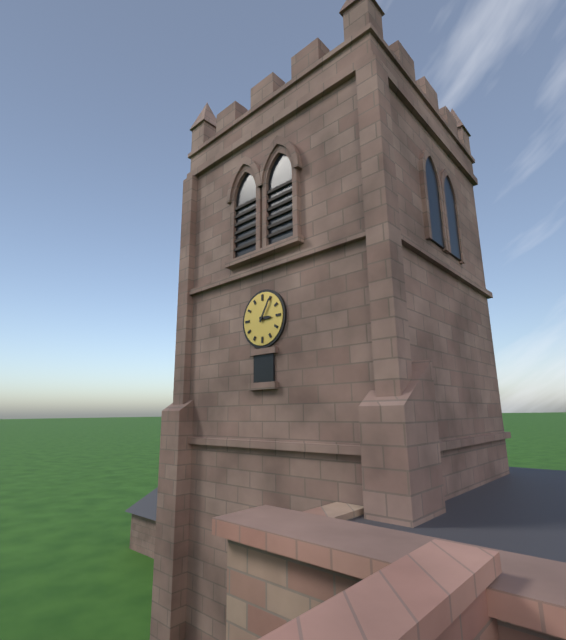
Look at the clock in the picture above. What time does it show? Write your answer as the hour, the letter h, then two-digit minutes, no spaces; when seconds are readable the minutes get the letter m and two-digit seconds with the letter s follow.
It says 3h05
